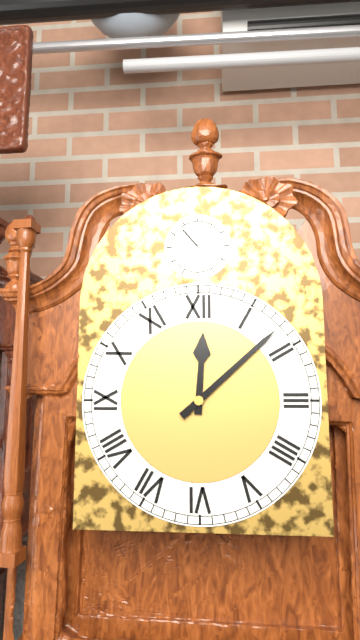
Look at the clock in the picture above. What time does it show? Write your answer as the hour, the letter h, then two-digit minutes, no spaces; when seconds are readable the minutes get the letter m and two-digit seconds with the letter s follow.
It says 12h08
